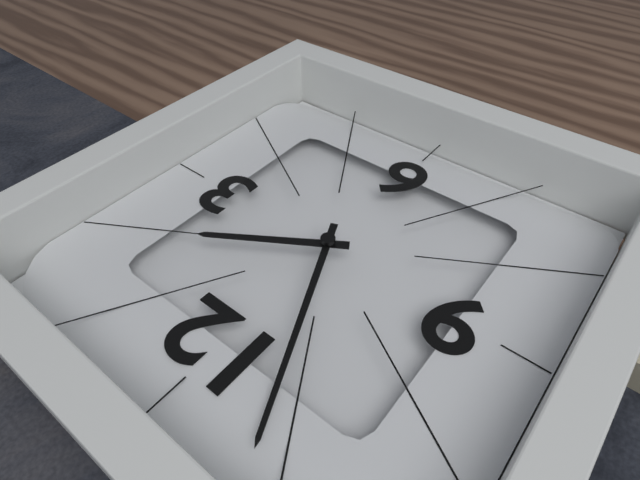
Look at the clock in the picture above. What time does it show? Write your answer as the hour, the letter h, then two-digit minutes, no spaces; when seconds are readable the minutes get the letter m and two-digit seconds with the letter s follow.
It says 1h56
